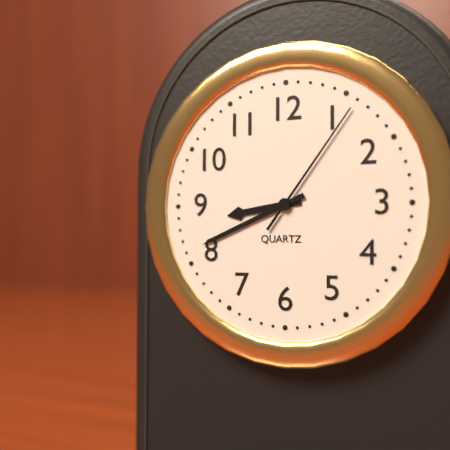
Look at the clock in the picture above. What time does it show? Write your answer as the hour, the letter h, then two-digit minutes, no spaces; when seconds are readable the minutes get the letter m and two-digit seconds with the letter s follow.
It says 8h41m06s
